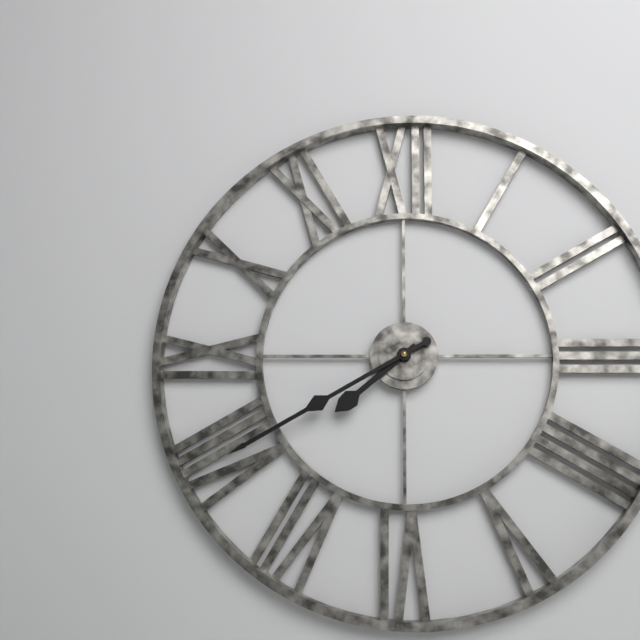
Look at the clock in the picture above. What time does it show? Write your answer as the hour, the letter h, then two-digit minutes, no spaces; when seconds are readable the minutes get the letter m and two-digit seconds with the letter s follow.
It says 7h40
